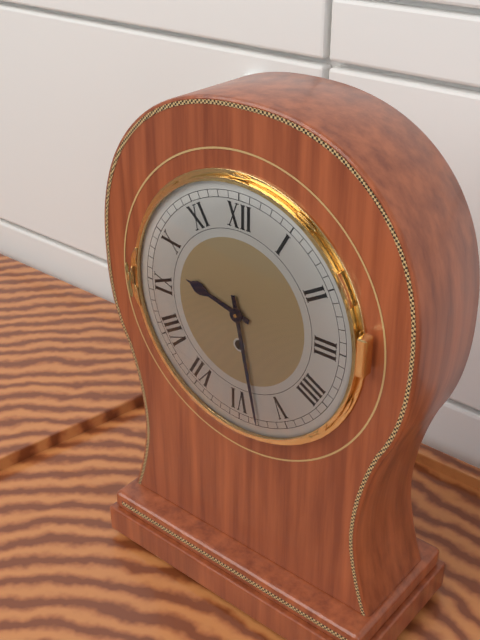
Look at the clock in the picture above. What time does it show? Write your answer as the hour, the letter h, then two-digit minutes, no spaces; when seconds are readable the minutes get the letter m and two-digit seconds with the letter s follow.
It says 9h28
